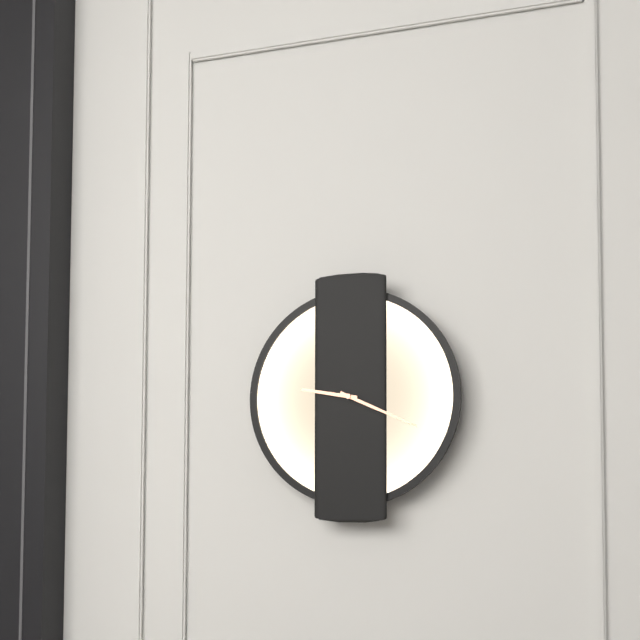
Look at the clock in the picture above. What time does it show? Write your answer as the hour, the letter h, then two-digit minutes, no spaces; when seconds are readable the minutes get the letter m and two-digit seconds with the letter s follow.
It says 9h19
